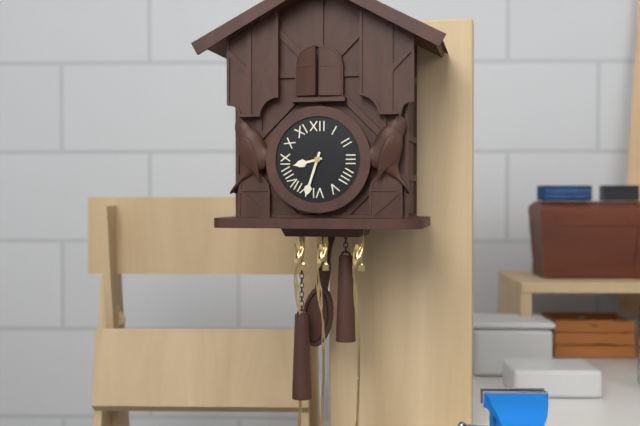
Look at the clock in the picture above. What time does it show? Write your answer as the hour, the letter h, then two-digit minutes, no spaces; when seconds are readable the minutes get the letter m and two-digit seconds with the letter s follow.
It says 8h33
